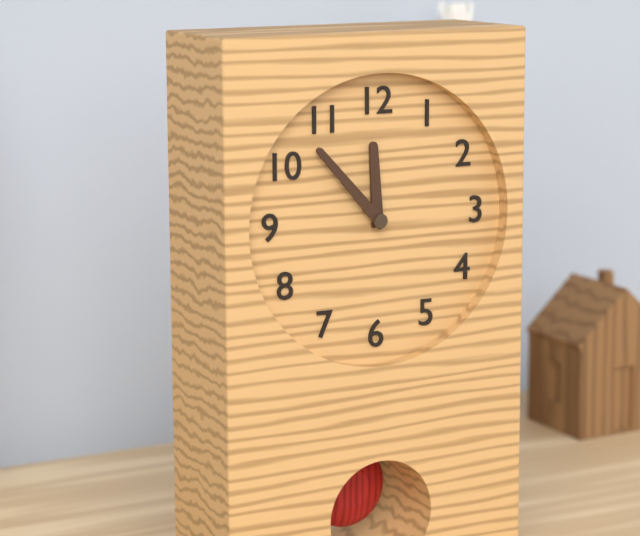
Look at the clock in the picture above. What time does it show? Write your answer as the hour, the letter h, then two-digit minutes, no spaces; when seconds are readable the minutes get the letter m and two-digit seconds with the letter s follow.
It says 11h53
